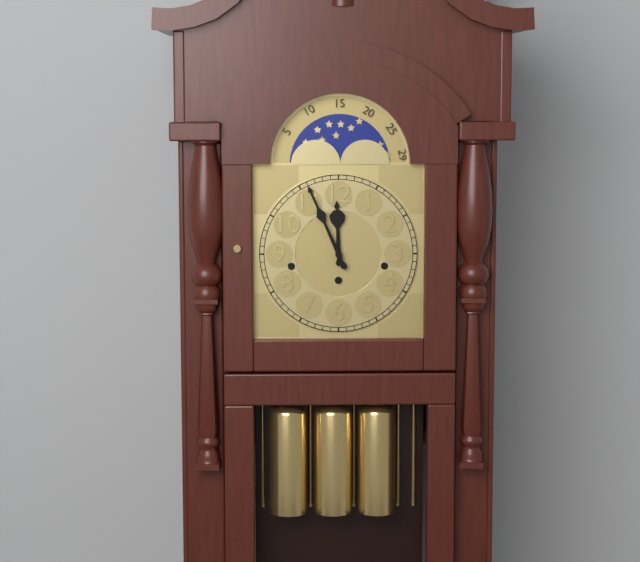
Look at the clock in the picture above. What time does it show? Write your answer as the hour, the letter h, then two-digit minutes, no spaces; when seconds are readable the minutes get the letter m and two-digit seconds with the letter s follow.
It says 11h56
